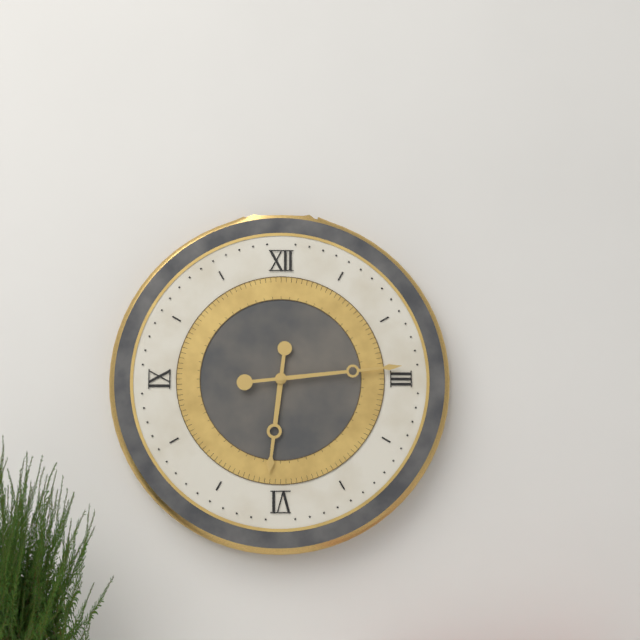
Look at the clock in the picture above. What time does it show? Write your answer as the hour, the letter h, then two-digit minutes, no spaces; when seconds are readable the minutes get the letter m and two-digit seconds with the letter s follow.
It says 6h14
